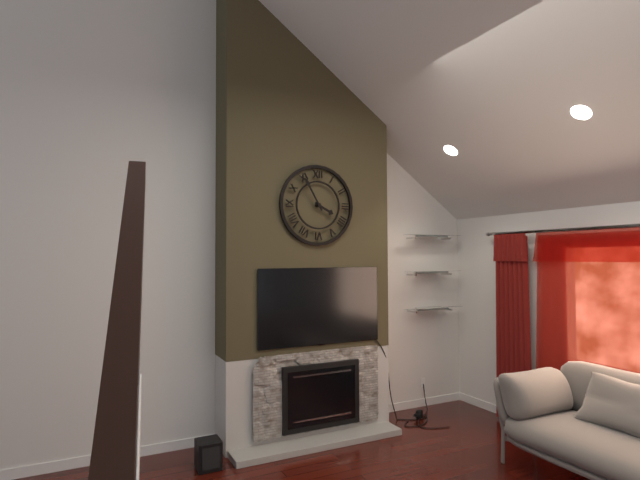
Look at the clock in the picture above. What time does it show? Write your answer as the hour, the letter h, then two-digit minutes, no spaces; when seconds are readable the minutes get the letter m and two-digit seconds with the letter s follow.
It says 3h55
